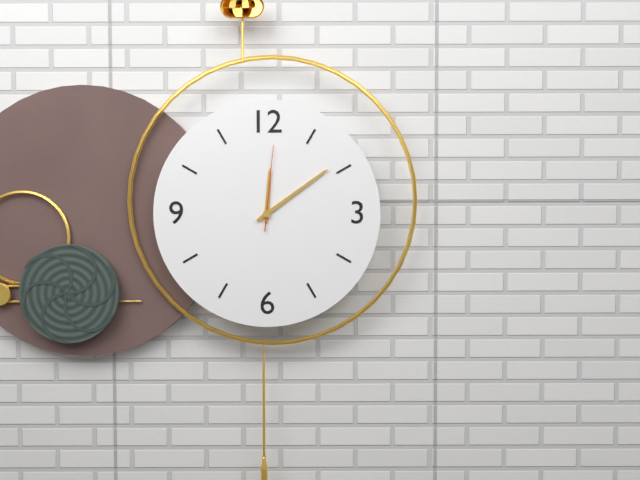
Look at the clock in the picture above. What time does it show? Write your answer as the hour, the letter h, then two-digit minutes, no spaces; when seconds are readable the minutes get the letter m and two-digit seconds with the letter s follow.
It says 12h09m01s
